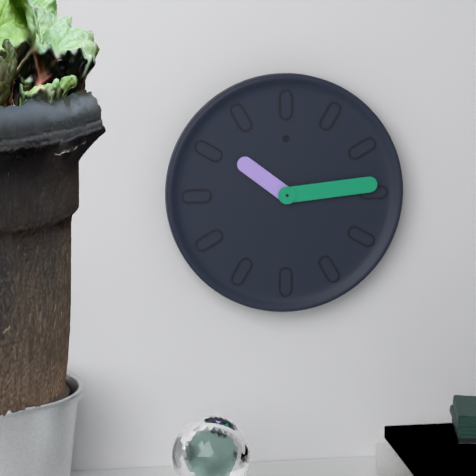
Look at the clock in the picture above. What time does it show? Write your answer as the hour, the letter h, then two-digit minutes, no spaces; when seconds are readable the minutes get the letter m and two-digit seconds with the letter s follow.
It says 10h14
